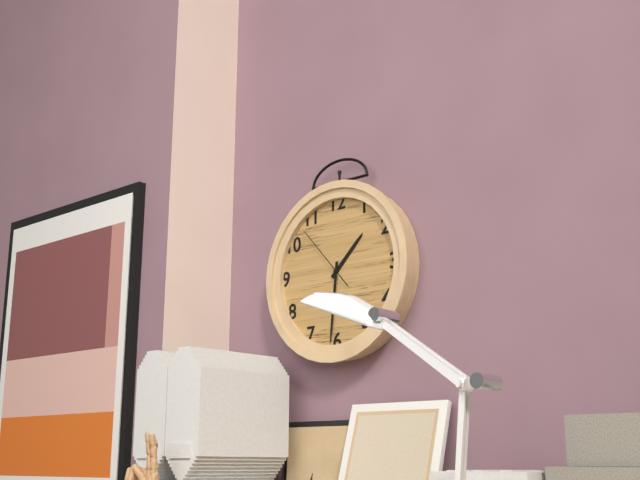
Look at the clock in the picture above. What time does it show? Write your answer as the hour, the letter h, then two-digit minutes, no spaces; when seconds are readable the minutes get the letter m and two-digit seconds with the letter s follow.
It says 1h31m53s
